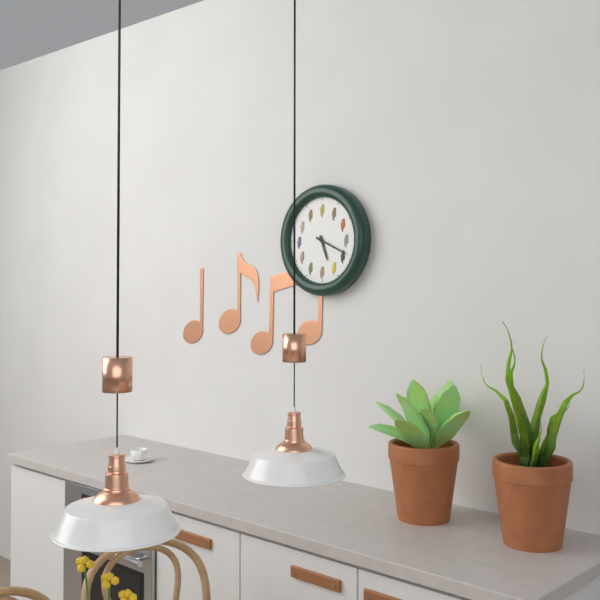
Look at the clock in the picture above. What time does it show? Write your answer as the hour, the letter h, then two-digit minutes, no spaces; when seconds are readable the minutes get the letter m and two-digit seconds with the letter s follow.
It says 5h19
